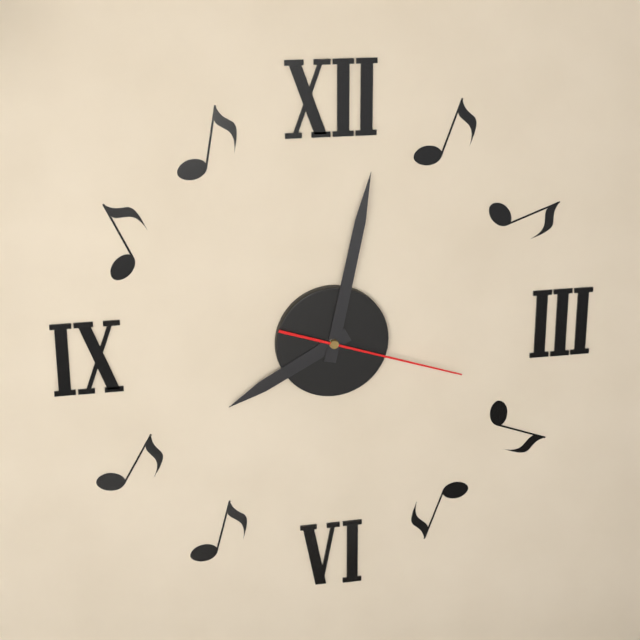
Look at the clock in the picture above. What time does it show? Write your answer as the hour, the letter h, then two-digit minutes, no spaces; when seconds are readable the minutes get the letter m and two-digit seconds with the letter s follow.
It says 8h02m18s
